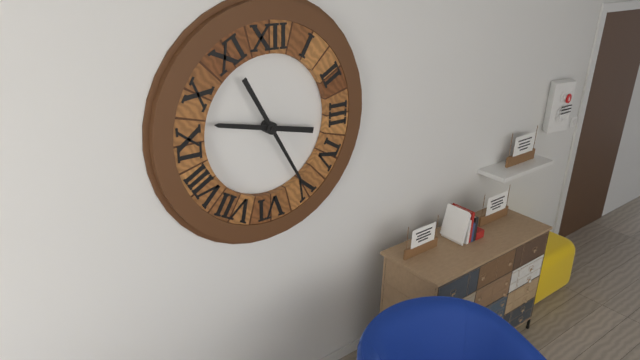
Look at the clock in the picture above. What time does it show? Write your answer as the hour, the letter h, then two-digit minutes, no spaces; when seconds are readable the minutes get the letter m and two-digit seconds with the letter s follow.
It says 9h25
